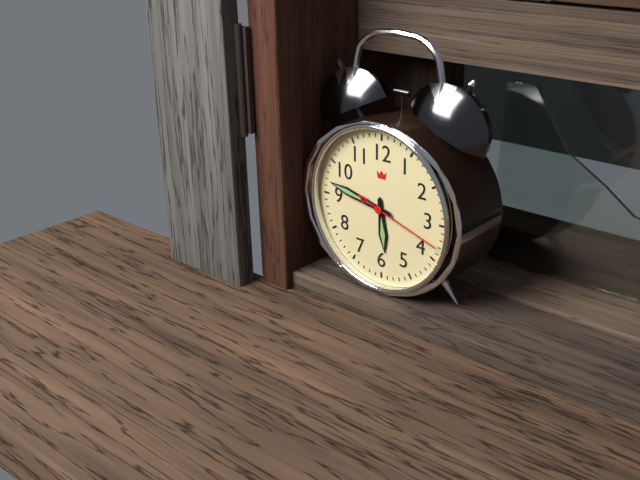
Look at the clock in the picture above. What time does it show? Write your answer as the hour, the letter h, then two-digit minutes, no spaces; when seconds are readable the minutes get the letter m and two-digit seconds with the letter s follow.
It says 5h47m18s
